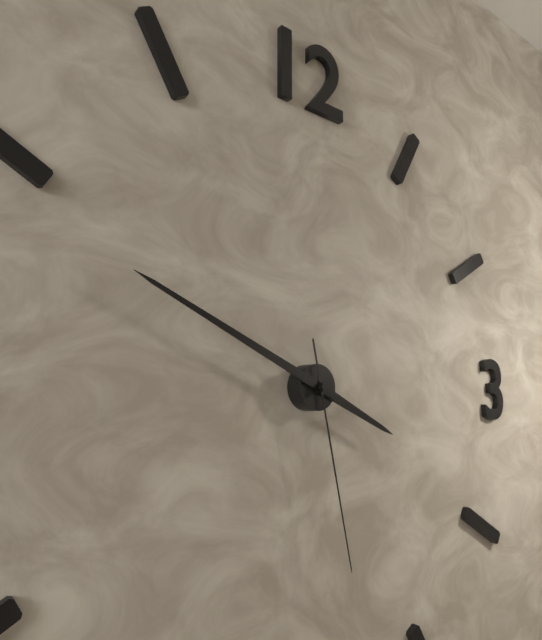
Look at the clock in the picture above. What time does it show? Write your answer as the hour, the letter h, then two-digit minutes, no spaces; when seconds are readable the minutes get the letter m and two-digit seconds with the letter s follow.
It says 3h49m28s
